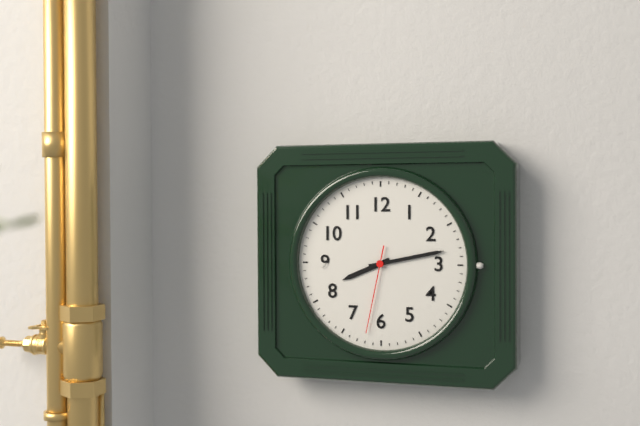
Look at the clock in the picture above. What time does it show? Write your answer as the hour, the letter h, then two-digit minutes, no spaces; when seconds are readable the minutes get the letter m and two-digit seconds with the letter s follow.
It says 8h13m32s
